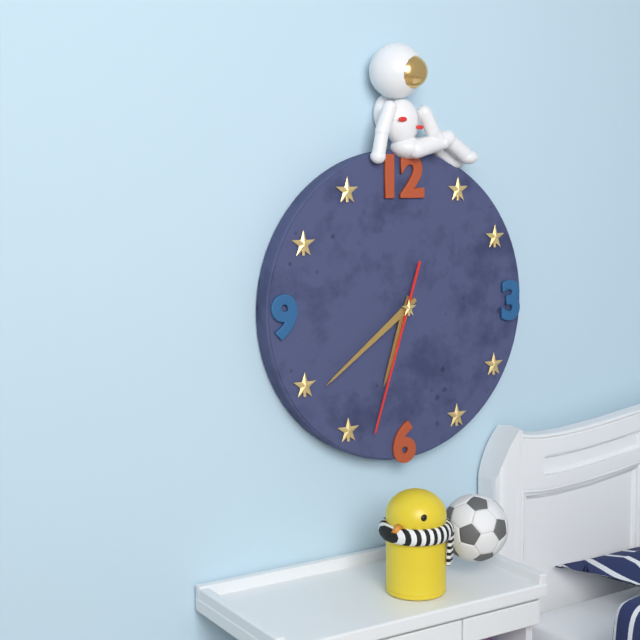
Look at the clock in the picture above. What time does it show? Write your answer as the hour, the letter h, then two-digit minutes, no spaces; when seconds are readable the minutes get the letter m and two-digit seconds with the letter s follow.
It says 6h39m33s
